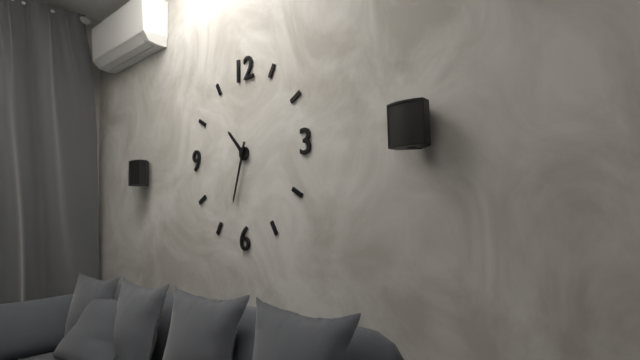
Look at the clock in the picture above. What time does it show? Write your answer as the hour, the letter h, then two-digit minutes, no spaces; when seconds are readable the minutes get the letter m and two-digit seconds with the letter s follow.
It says 10h33
